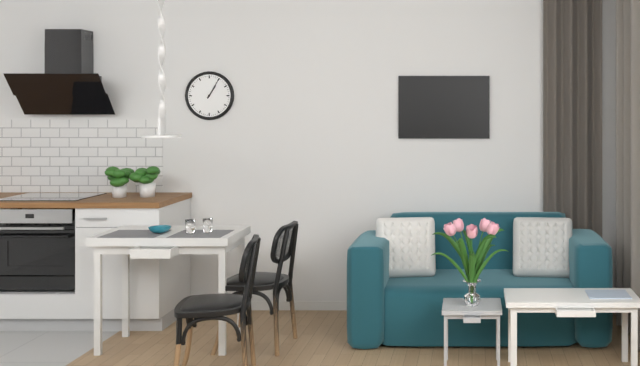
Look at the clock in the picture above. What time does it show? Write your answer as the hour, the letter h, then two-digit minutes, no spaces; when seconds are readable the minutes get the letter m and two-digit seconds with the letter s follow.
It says 1h05
